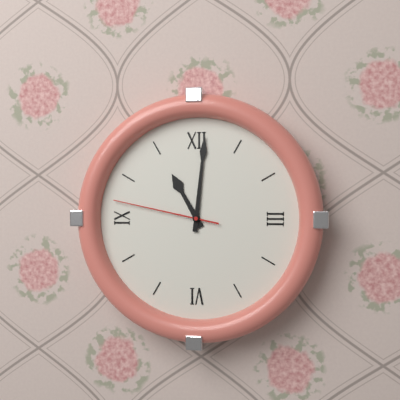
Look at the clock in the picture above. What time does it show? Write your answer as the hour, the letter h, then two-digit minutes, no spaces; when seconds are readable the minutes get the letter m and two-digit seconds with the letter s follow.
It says 11h01m47s
